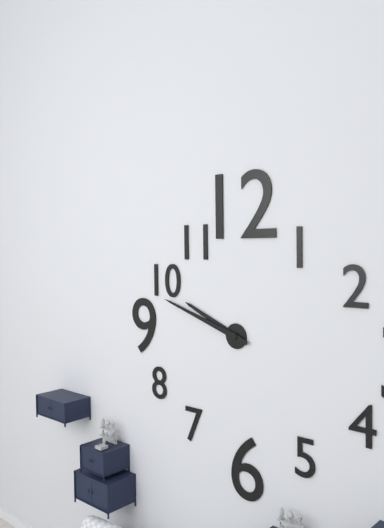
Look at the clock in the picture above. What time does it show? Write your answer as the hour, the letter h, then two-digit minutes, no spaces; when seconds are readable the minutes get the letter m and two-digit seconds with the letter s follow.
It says 9h48
